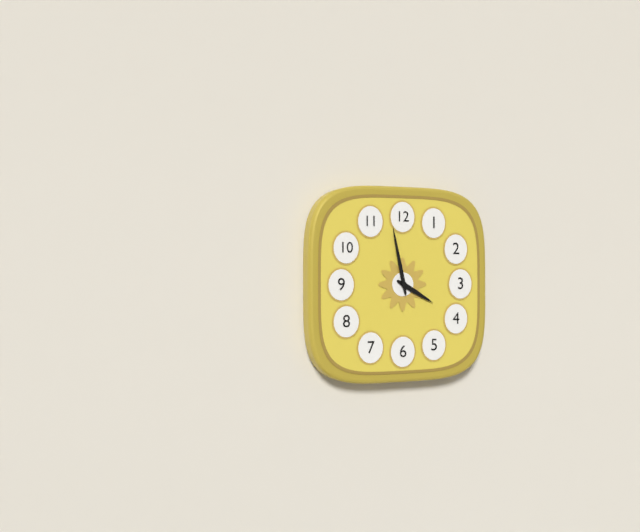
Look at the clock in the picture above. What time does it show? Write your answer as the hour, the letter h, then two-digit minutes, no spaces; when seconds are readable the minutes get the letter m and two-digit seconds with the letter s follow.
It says 3h58
